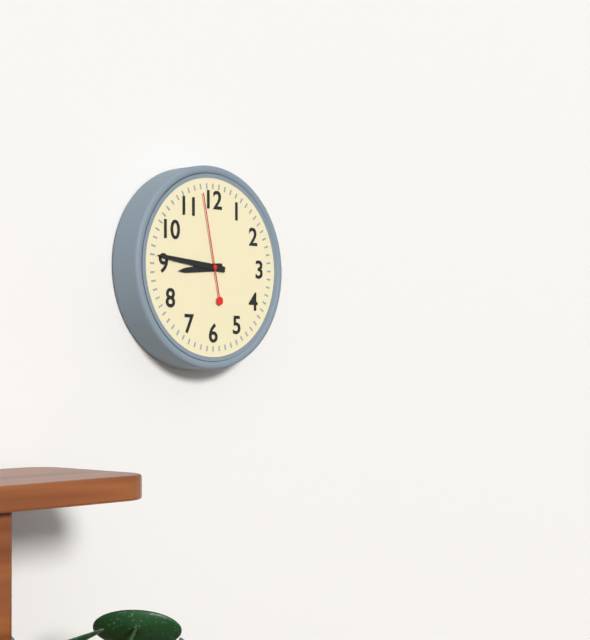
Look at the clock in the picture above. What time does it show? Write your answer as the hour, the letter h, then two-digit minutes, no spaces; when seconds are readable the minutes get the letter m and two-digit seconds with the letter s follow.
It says 8h46m58s
